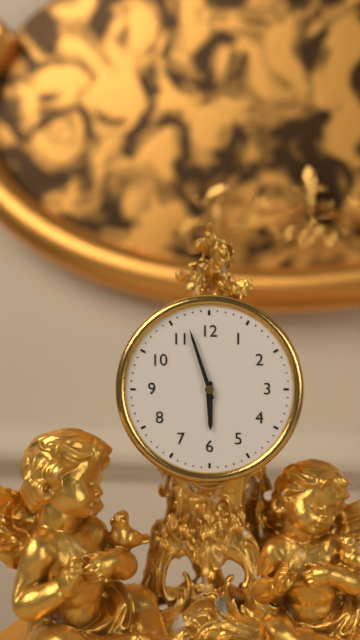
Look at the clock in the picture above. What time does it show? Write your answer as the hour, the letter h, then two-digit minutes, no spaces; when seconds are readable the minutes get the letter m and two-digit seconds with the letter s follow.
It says 5h57
